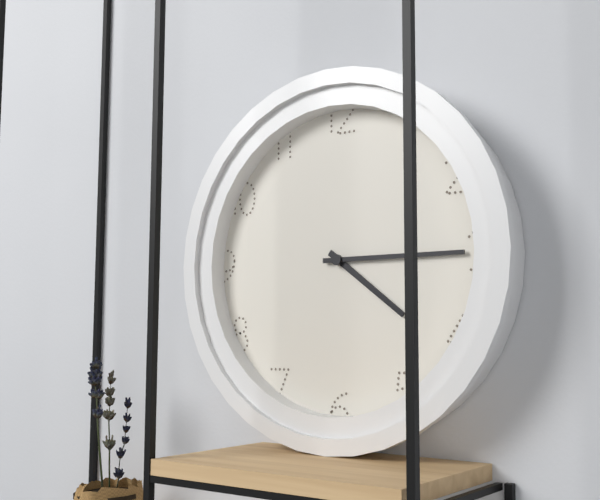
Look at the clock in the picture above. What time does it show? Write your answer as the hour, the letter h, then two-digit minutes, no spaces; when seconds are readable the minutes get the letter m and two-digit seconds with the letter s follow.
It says 4h15
